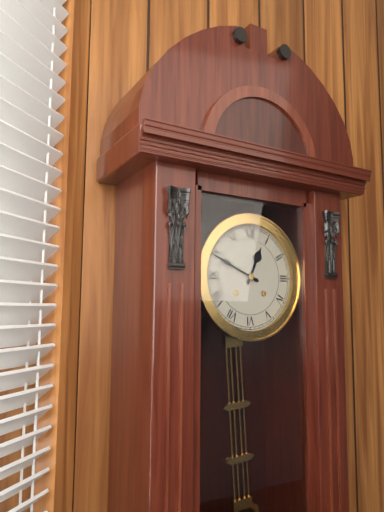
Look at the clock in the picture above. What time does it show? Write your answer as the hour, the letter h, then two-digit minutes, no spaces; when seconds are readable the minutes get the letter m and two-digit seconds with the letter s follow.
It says 12h49
